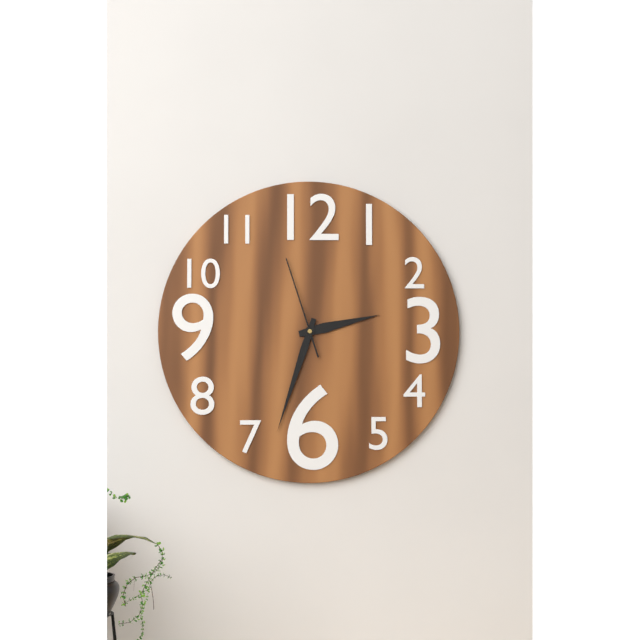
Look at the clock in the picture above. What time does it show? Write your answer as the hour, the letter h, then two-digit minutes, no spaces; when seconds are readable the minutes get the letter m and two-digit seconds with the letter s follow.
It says 2h33m57s
